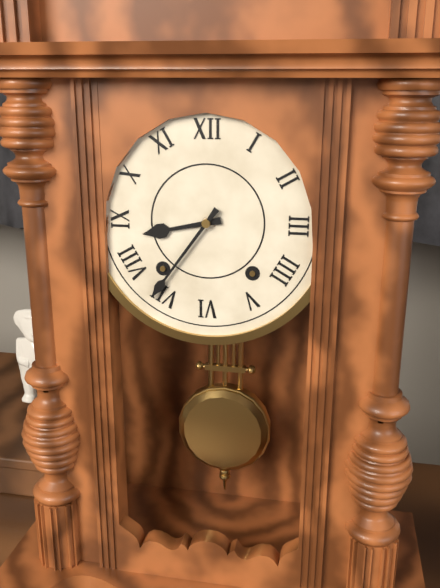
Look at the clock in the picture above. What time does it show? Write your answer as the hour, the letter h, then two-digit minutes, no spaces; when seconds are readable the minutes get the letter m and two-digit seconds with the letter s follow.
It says 8h36
